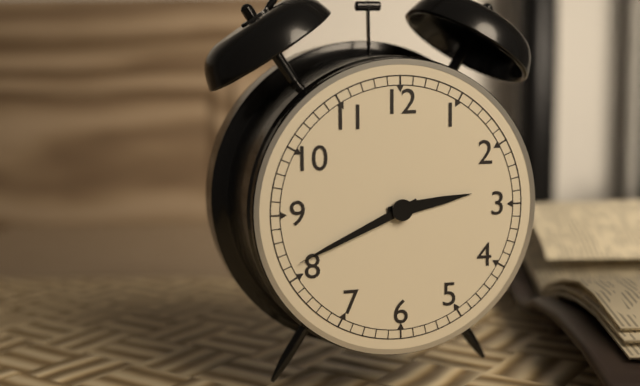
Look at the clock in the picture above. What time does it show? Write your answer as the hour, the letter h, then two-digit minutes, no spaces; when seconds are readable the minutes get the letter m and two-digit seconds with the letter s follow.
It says 2h41
